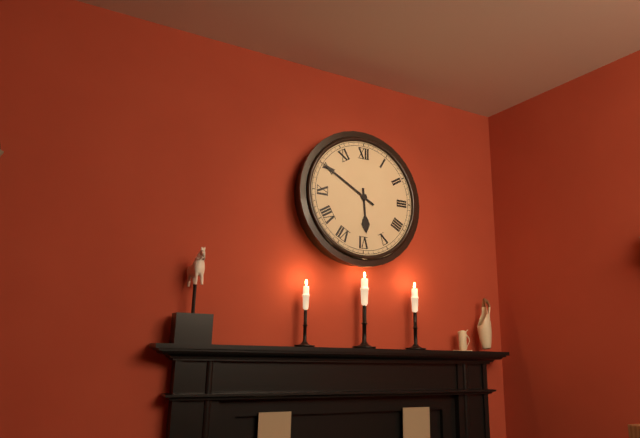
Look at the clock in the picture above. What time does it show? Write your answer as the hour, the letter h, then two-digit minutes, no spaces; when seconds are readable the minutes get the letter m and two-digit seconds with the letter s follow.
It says 5h50
